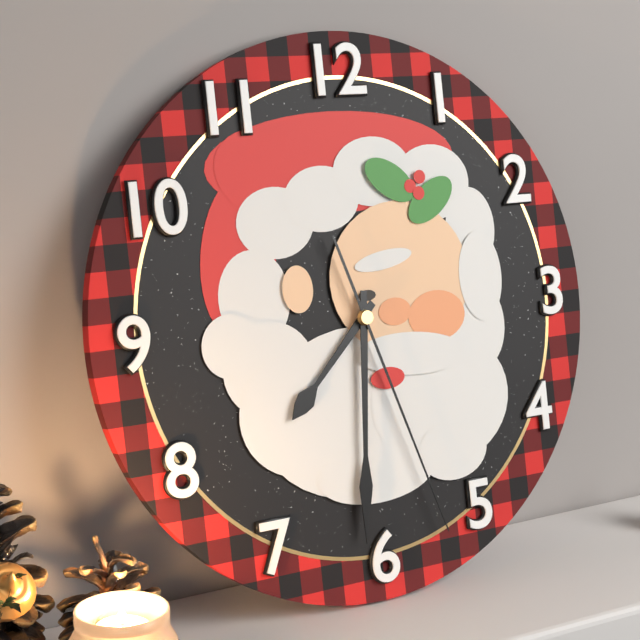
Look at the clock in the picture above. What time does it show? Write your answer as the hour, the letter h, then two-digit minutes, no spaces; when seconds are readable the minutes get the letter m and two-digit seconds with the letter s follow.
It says 7h31m27s
